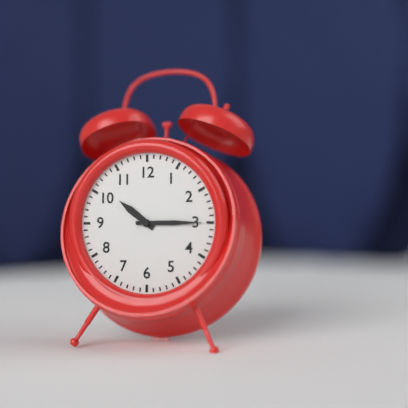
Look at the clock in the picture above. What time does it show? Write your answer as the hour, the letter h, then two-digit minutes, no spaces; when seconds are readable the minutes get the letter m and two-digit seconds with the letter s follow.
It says 10h15
